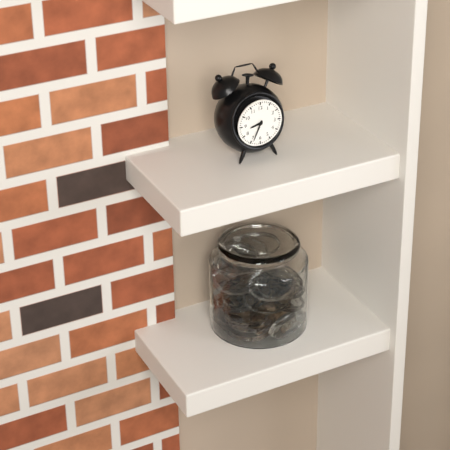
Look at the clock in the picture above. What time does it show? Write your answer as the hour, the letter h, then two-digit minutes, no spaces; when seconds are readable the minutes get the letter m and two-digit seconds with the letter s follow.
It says 8h34
